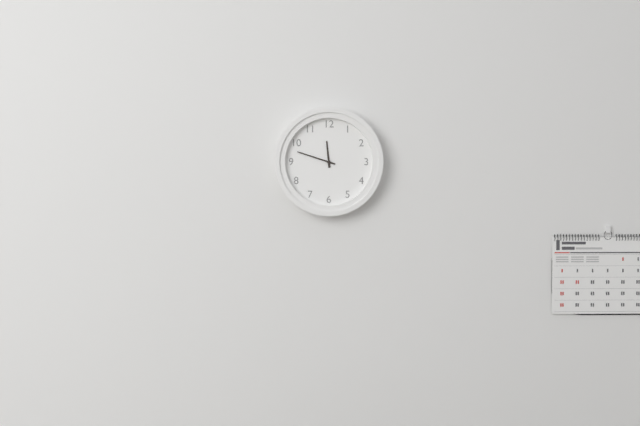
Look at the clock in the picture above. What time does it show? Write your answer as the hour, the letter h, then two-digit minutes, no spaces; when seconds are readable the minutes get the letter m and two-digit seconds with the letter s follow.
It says 11h48
